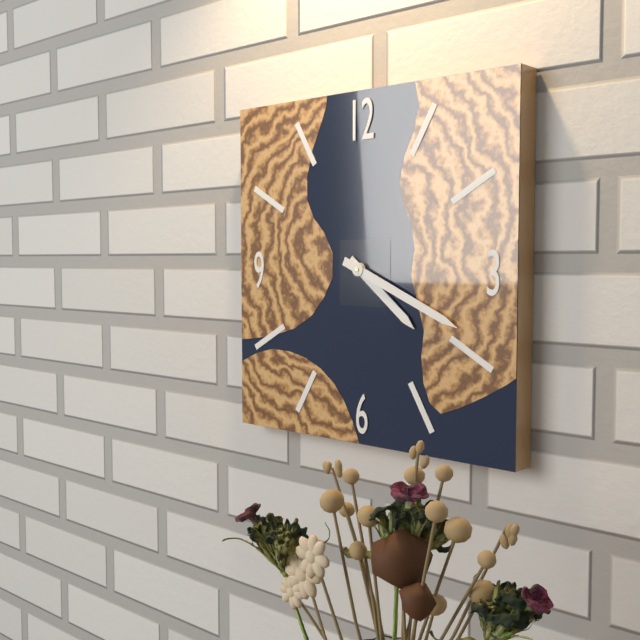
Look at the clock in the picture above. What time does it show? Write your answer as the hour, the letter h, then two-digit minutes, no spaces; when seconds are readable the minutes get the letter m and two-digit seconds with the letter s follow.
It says 4h19
